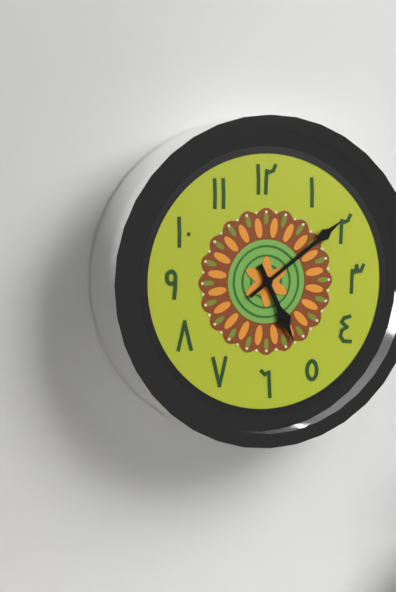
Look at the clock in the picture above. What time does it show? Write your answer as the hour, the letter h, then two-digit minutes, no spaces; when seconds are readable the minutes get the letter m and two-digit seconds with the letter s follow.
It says 5h09
